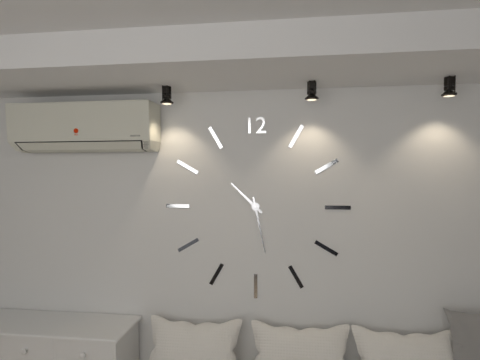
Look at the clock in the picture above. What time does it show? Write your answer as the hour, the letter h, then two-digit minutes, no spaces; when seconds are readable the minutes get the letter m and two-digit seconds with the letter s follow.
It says 10h28
